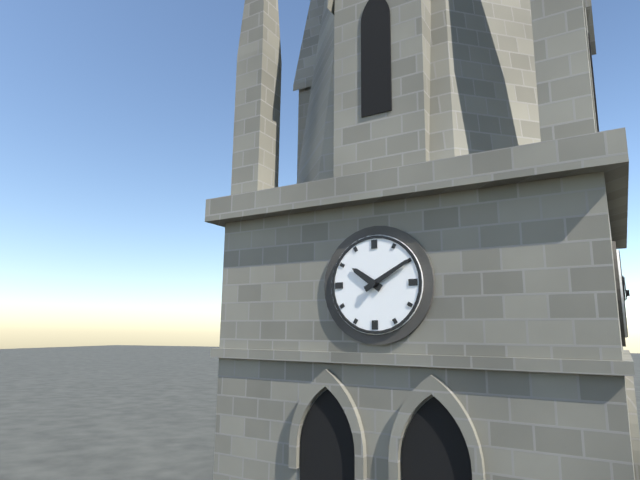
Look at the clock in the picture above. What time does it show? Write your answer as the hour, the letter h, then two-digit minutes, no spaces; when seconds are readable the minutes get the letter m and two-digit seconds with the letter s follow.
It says 10h10
